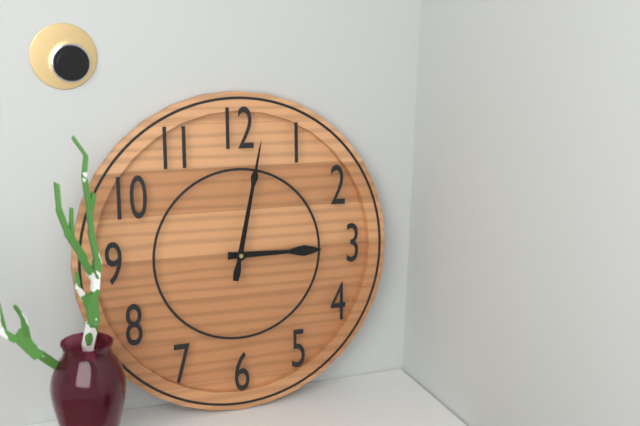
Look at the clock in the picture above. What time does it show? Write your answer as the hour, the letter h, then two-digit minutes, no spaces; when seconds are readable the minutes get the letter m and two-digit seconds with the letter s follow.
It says 3h02
